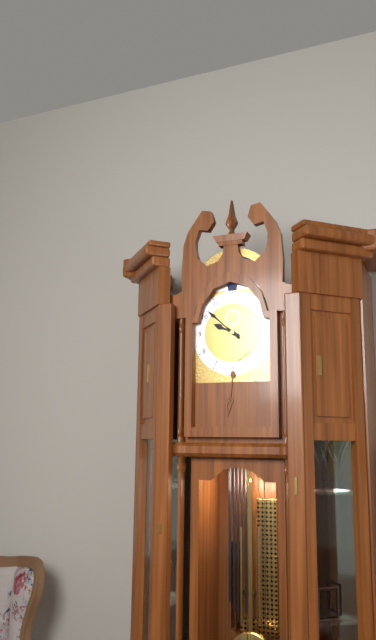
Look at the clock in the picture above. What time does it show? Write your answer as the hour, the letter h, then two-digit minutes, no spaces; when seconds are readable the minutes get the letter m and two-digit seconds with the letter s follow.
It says 9h52
